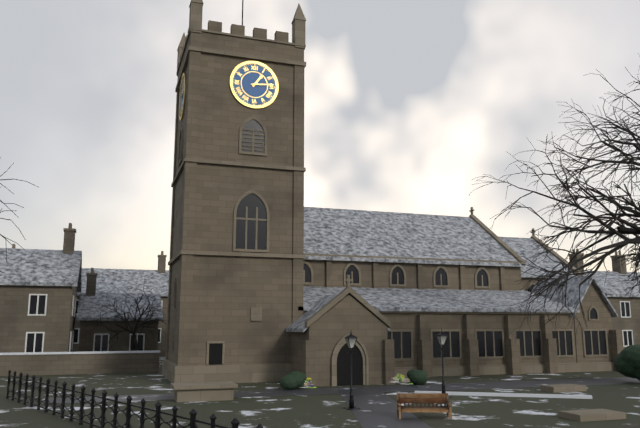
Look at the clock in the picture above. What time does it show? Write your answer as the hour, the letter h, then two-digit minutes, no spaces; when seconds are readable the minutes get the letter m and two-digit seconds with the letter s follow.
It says 1h14
